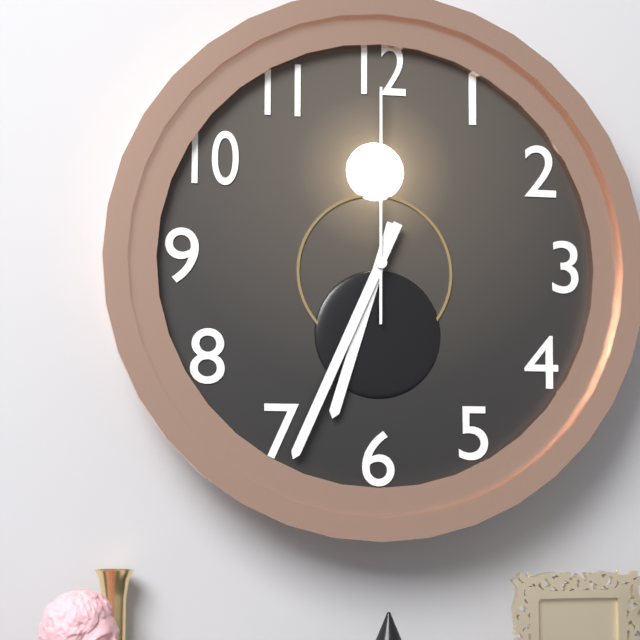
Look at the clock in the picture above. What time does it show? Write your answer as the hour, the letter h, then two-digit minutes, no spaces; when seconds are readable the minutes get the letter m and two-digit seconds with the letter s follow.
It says 6h34m00s
